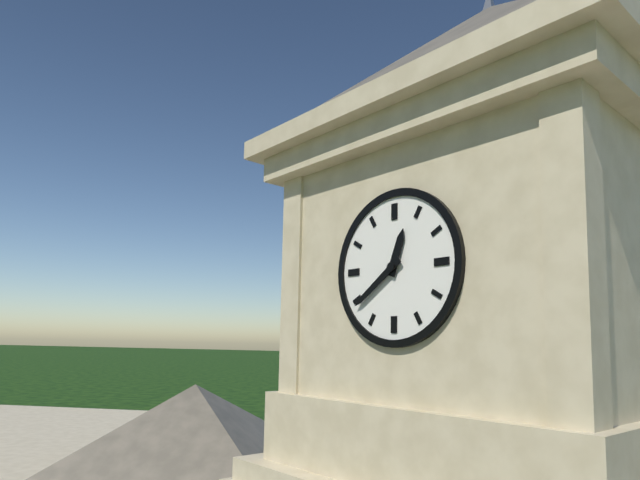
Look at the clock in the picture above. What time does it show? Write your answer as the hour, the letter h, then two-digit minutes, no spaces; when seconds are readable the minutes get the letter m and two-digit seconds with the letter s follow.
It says 12h39
